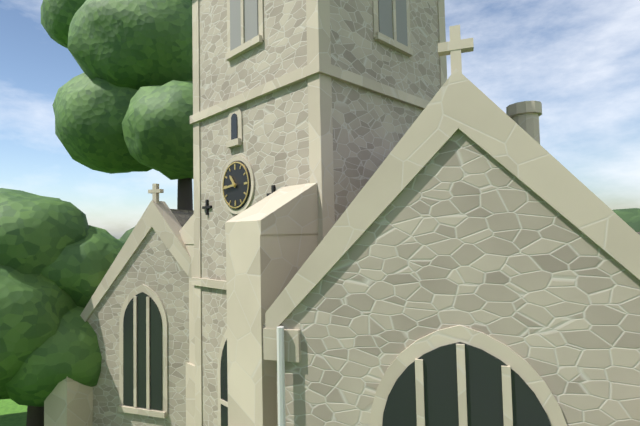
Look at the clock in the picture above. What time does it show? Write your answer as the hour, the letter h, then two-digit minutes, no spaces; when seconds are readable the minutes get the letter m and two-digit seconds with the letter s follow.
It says 10h44
